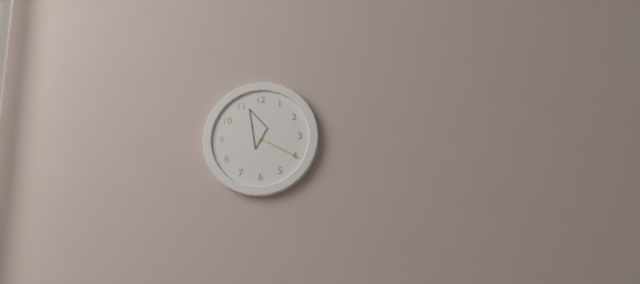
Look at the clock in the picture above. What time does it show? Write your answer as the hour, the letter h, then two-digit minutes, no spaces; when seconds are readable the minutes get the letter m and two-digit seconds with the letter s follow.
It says 11h20
